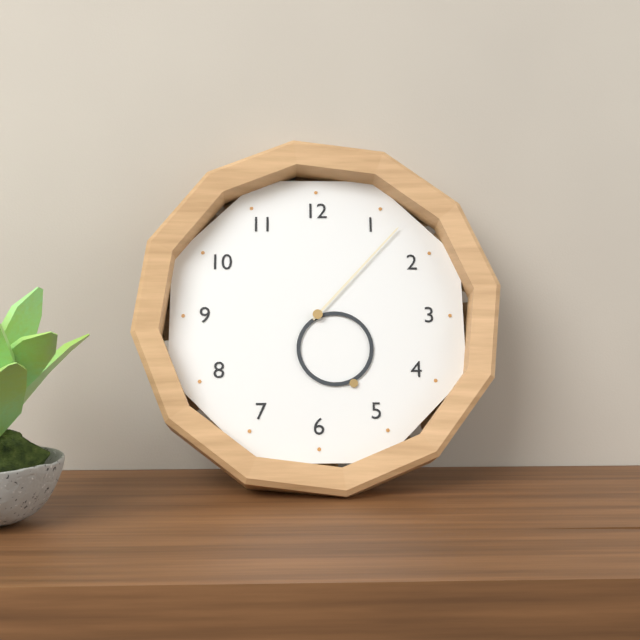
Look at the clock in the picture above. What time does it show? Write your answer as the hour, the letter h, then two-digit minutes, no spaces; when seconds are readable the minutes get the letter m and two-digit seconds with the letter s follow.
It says 5h07
